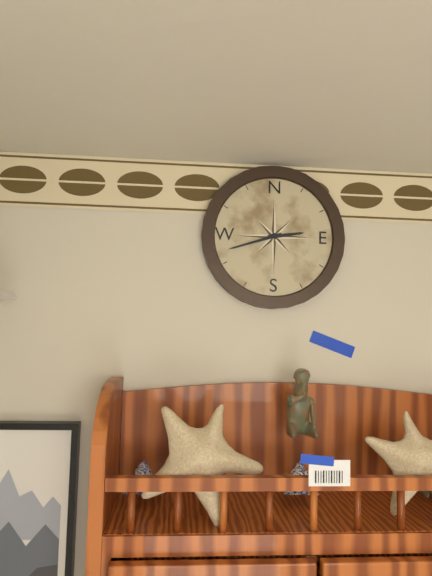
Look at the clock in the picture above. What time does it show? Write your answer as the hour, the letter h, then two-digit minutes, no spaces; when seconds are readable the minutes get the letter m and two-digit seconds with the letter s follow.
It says 2h42
